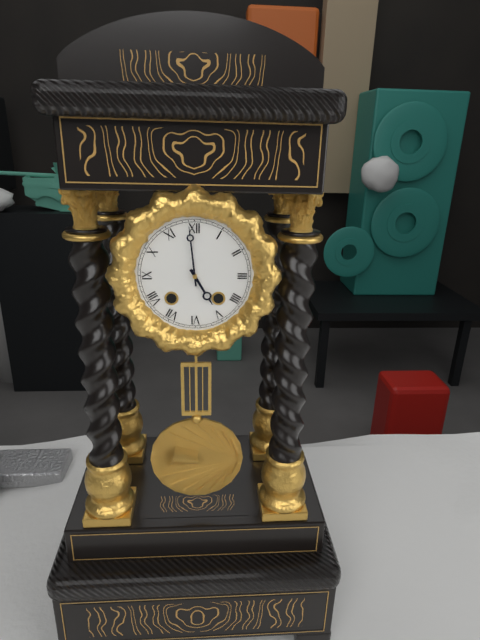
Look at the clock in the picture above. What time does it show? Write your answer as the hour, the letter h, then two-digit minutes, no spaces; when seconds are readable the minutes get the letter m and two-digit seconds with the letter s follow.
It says 4h59
